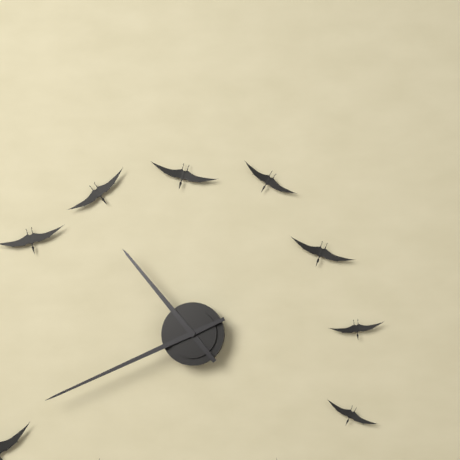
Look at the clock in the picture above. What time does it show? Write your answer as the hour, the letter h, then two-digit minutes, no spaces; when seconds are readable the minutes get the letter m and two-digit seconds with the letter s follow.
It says 10h41
